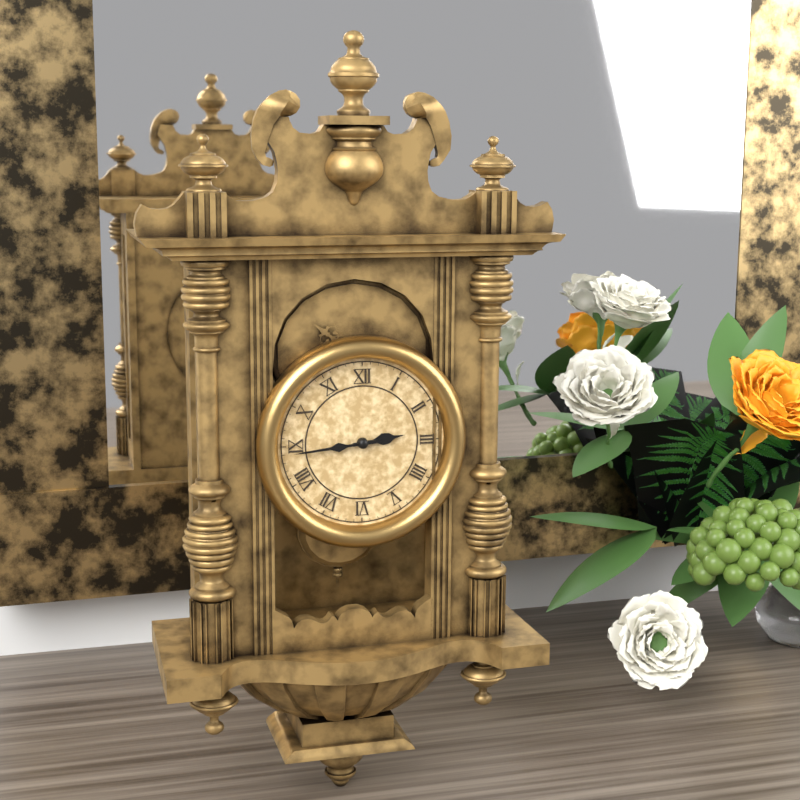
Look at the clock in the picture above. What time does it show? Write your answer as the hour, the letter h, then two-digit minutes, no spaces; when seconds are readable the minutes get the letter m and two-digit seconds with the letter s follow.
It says 2h44
